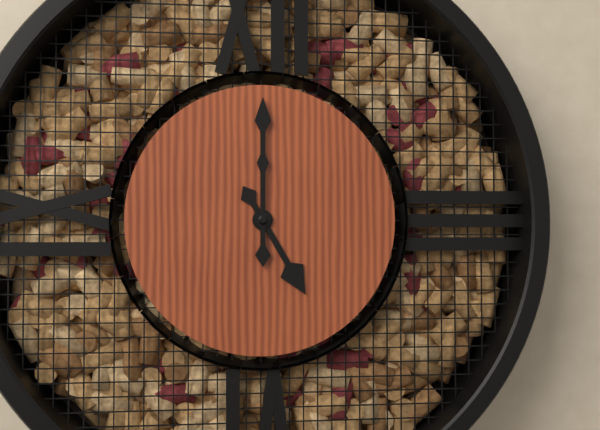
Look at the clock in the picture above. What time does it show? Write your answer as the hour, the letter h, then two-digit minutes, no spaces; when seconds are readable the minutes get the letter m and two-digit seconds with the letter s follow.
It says 5h00
